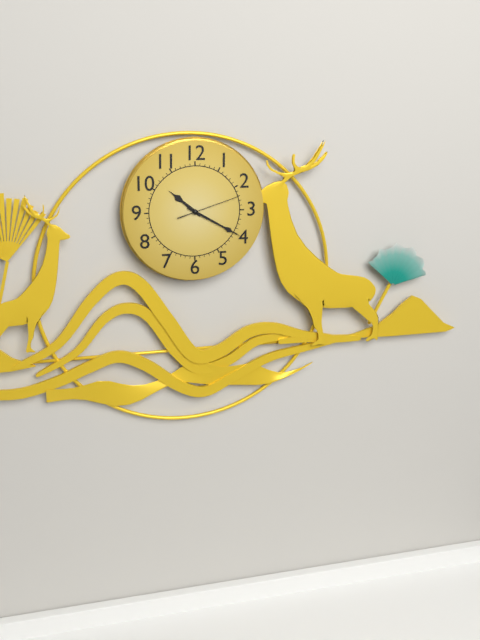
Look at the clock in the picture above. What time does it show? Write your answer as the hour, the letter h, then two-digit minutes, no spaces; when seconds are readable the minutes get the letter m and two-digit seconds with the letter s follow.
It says 10h20m12s
